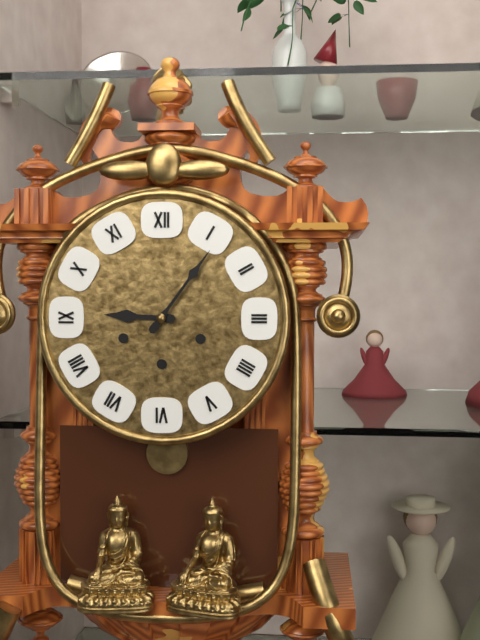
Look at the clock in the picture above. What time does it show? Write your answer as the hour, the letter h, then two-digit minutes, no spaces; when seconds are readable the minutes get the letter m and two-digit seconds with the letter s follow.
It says 9h06
